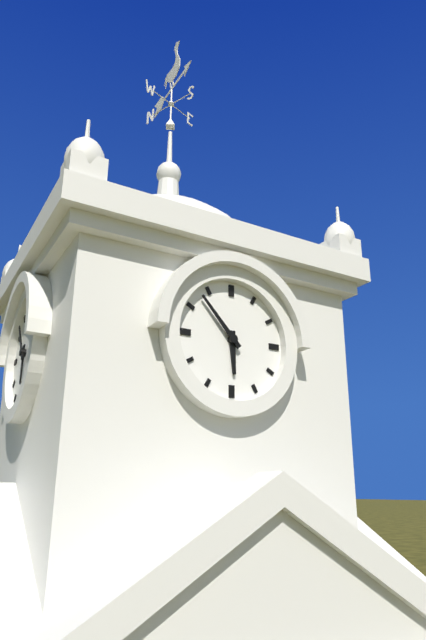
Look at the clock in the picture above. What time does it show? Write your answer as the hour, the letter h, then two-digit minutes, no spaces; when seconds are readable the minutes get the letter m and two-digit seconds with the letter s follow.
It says 5h53
